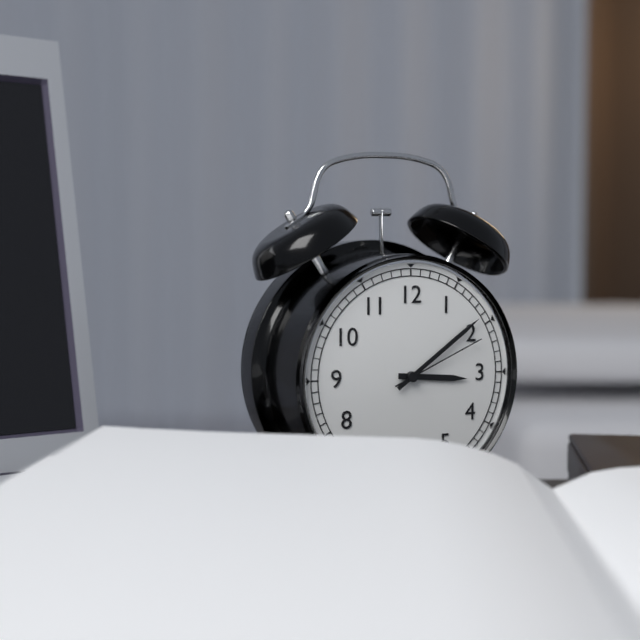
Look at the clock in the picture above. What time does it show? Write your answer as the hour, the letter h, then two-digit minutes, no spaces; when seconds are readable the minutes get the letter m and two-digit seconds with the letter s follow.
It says 3h09m11s
